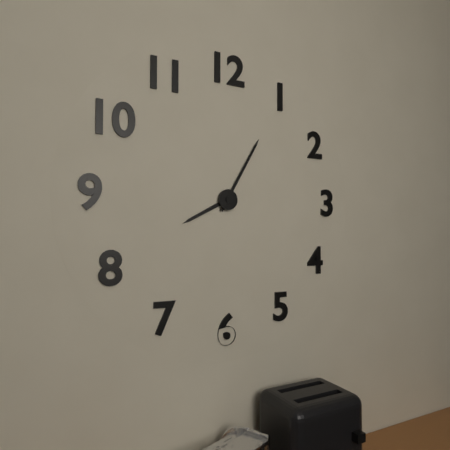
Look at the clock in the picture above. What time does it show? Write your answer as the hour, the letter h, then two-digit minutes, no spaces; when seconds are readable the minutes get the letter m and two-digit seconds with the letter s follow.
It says 8h05
